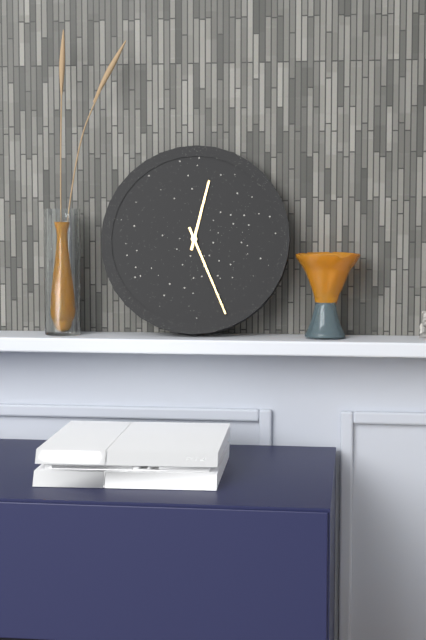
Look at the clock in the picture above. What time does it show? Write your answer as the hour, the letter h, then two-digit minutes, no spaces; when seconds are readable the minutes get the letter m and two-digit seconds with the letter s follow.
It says 12h26
